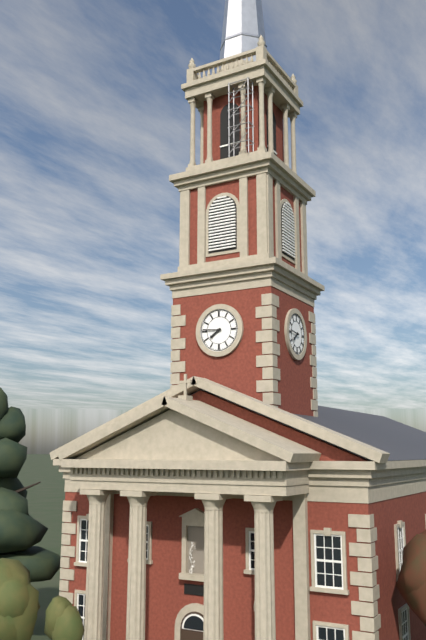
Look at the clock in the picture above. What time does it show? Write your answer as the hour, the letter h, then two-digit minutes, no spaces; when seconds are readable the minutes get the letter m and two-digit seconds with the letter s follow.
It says 7h46
